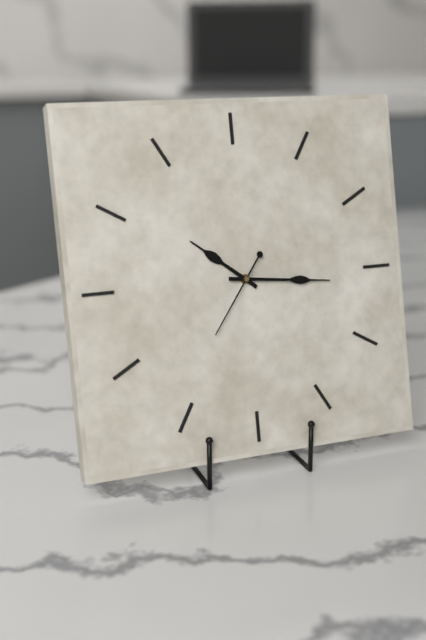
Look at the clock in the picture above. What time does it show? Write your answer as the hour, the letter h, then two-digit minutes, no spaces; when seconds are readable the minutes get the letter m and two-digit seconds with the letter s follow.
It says 10h16m36s
